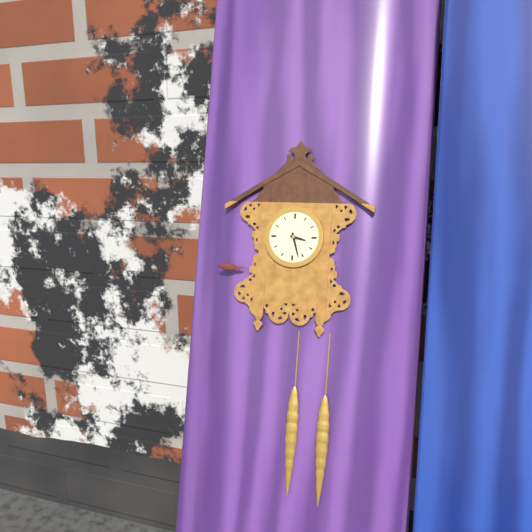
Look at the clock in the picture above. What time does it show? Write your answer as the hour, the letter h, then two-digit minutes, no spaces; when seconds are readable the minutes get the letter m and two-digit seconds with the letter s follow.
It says 3h27
